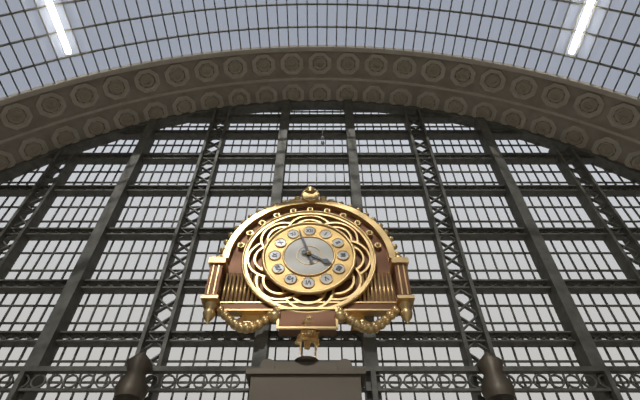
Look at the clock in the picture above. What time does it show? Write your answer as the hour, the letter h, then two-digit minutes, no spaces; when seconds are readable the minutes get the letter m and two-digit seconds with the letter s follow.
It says 3h57
